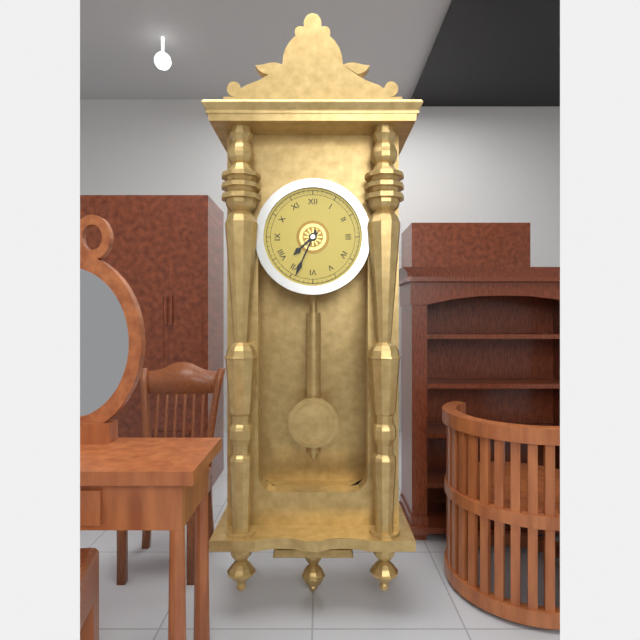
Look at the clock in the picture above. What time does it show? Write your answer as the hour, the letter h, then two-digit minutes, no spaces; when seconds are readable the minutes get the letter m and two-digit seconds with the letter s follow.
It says 7h34
